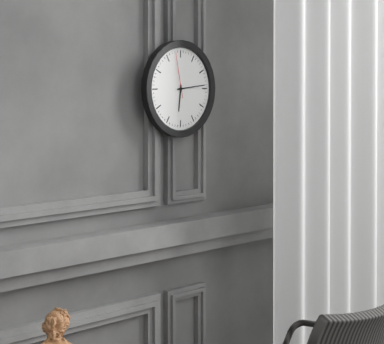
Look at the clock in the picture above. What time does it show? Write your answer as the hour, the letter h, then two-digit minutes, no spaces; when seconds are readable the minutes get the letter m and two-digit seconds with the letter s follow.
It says 6h14
